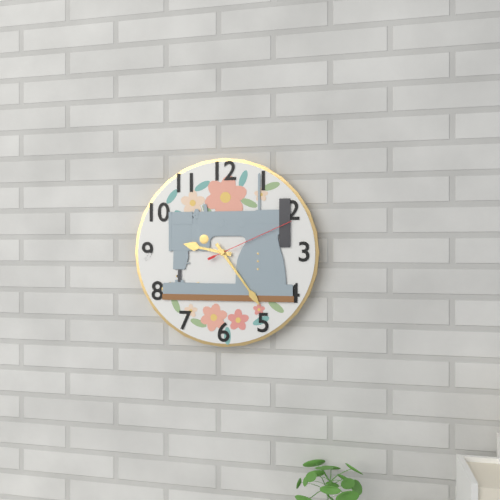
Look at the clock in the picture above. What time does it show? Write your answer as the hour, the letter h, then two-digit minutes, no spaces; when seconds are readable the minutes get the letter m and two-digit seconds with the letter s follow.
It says 9h24m11s
